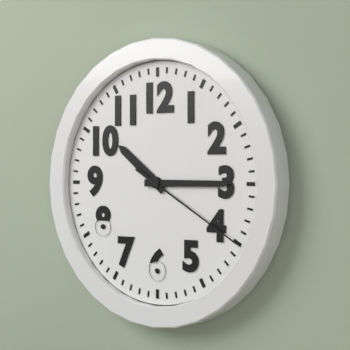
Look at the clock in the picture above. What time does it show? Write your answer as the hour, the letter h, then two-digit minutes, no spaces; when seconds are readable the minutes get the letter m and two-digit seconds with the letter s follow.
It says 10h15m20s
